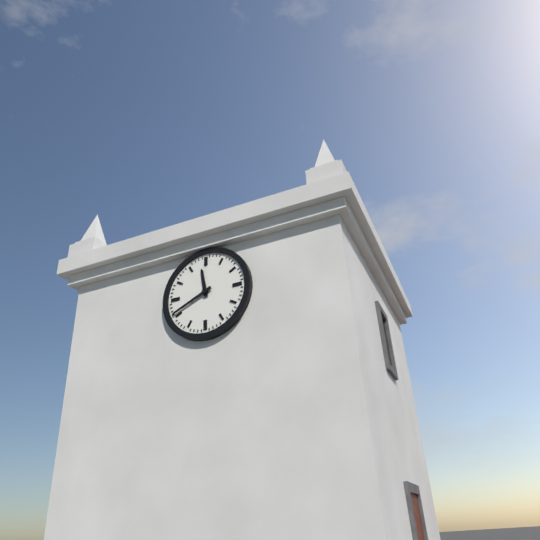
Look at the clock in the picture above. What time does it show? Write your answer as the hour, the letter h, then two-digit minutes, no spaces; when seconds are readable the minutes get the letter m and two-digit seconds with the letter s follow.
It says 11h41
